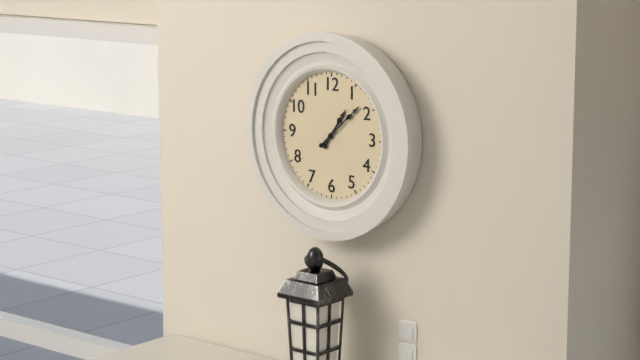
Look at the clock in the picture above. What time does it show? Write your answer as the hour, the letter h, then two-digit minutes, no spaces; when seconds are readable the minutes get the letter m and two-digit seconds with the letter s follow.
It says 1h08
